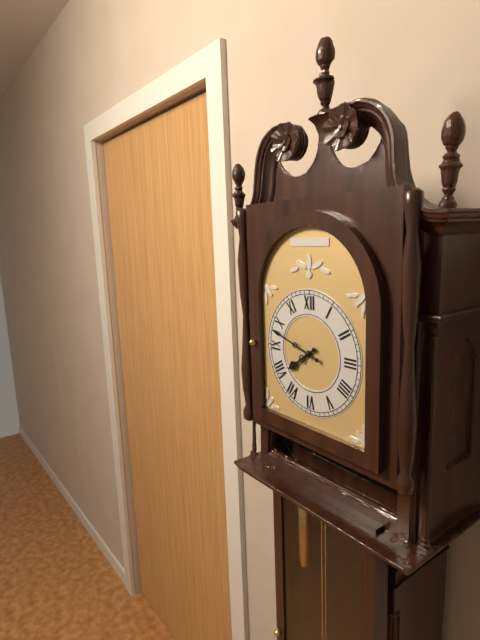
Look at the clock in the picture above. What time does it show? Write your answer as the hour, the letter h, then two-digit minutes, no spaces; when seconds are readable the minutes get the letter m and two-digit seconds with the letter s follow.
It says 7h48
